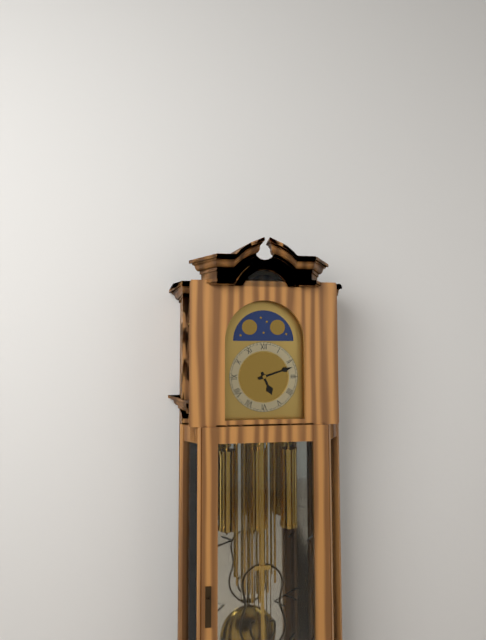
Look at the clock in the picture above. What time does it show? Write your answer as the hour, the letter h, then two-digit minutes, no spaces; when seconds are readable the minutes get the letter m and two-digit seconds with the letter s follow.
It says 5h12
